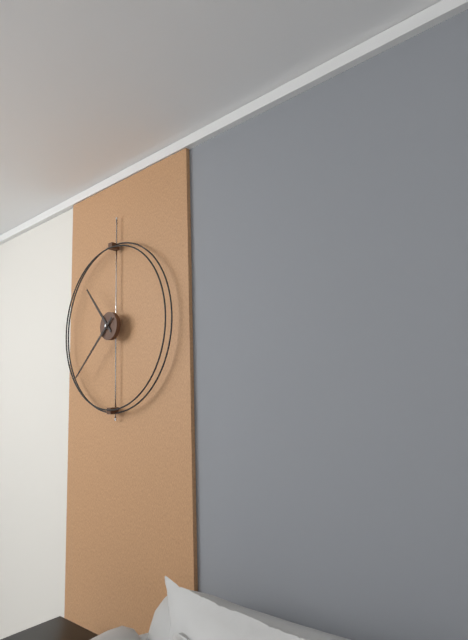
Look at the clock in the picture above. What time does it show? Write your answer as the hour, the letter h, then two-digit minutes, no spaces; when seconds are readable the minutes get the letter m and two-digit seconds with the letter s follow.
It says 10h38
